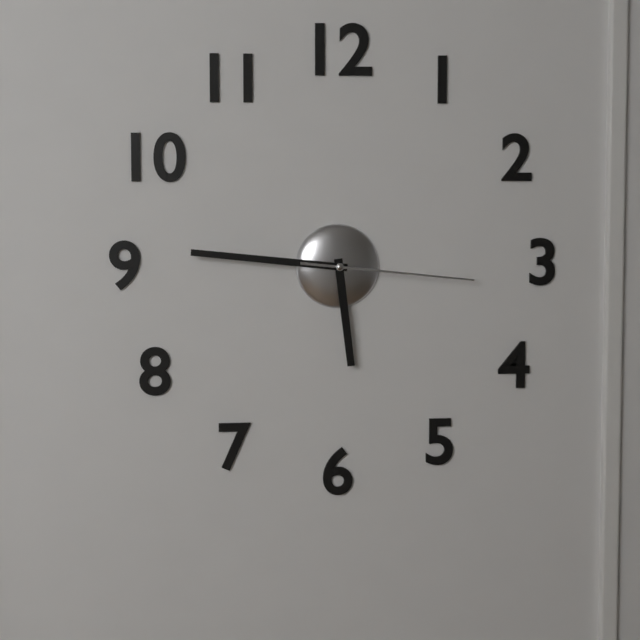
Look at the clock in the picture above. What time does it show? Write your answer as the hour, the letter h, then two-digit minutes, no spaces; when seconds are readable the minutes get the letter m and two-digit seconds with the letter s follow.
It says 5h46m16s
